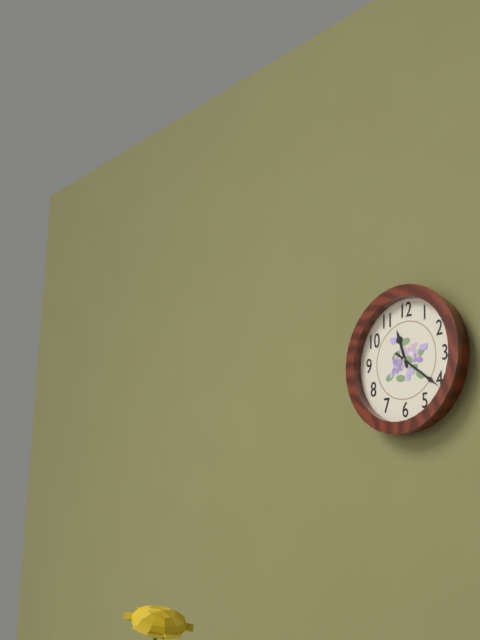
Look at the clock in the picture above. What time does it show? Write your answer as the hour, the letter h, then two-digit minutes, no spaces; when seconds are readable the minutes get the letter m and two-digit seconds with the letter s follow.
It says 11h21
